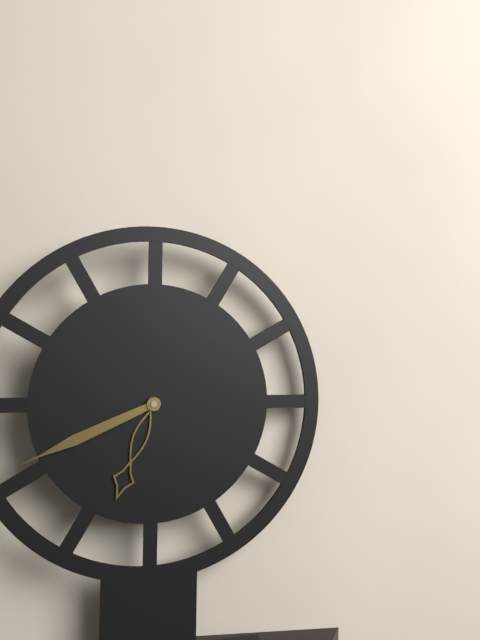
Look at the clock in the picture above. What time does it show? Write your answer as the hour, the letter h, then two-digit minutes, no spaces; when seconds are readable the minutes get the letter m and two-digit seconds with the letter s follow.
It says 6h41
